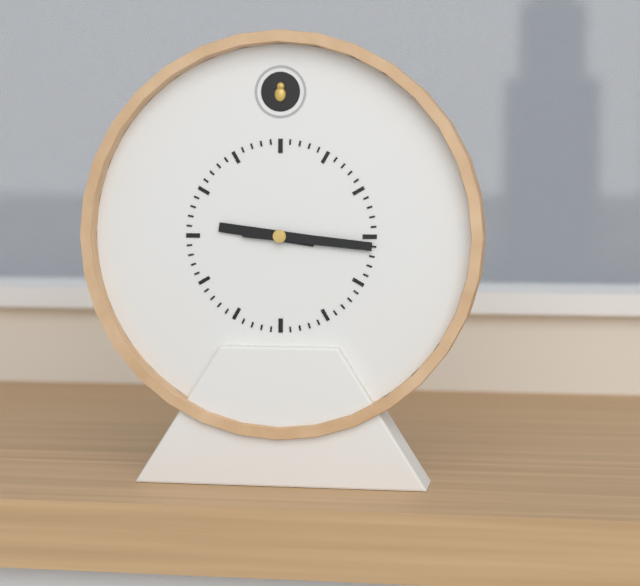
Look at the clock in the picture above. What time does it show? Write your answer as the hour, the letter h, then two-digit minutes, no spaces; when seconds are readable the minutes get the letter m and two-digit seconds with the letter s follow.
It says 9h16
